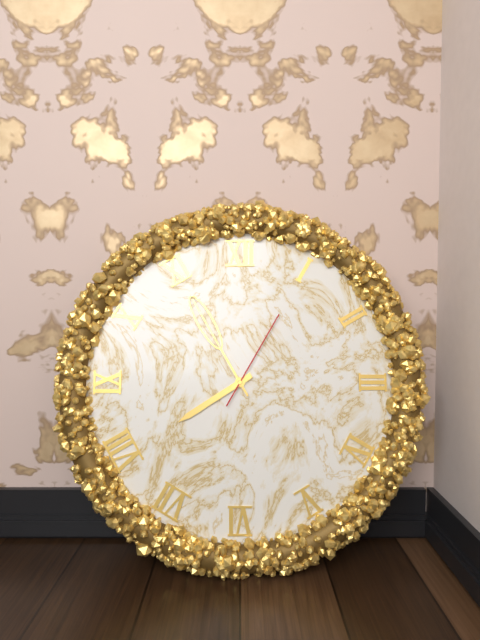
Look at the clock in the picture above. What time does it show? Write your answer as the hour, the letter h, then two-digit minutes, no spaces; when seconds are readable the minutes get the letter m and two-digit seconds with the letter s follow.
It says 7h55m05s
